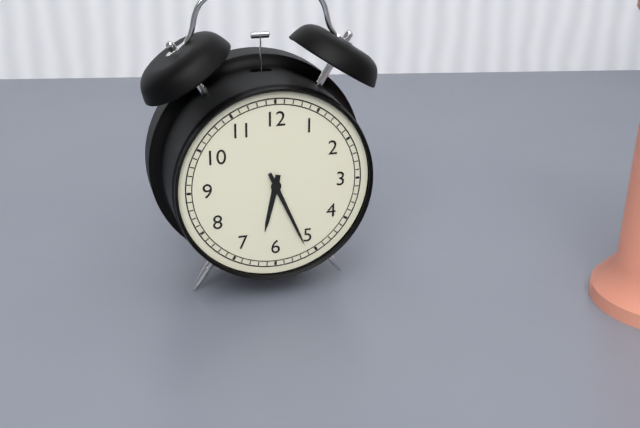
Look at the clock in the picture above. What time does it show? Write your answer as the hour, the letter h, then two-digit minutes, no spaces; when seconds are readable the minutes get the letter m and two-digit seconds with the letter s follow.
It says 6h26
